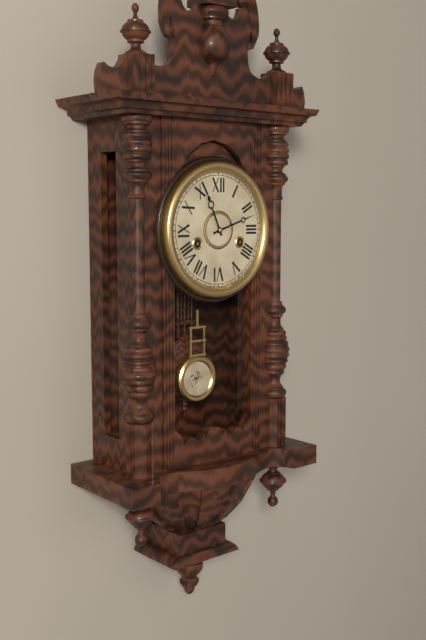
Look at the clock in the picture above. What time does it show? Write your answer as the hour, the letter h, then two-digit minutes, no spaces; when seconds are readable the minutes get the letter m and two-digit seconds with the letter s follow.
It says 11h12
